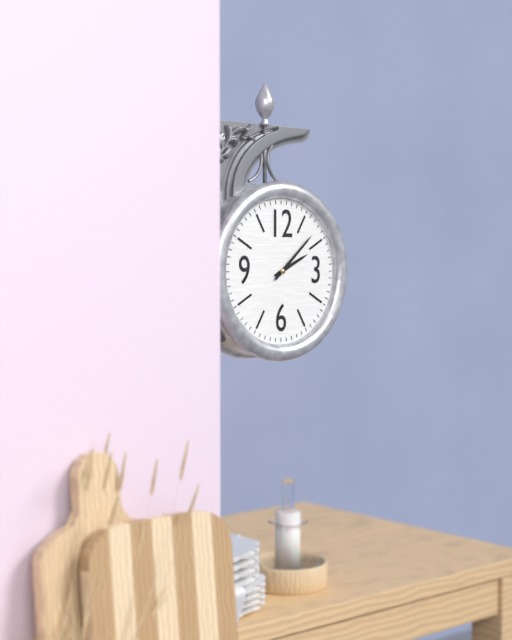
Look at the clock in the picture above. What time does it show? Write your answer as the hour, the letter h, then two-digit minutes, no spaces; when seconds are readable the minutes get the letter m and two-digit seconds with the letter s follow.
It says 2h08
